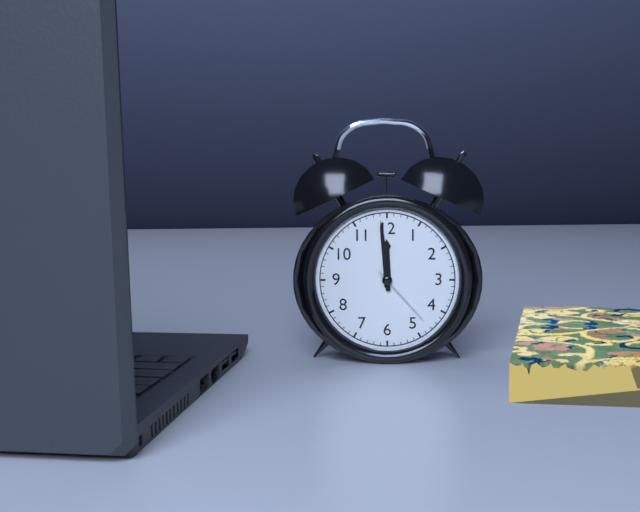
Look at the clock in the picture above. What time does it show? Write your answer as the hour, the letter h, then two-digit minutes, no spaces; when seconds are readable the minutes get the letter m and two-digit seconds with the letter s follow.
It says 11h59m23s
